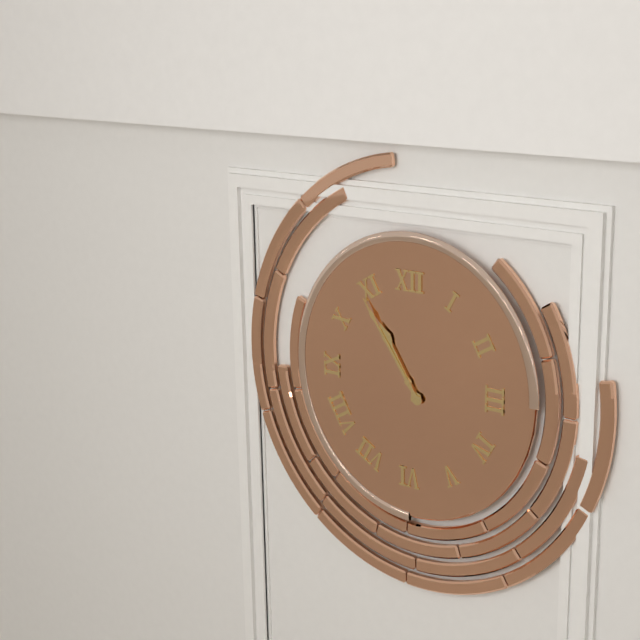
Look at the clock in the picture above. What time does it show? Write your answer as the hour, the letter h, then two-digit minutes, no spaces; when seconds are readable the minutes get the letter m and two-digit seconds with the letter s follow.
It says 10h54
